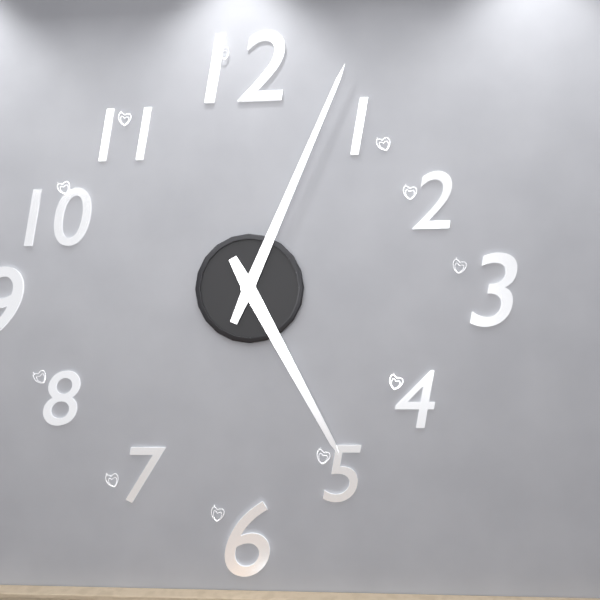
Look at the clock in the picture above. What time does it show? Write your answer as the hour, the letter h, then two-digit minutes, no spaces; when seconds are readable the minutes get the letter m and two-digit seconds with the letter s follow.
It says 5h04
